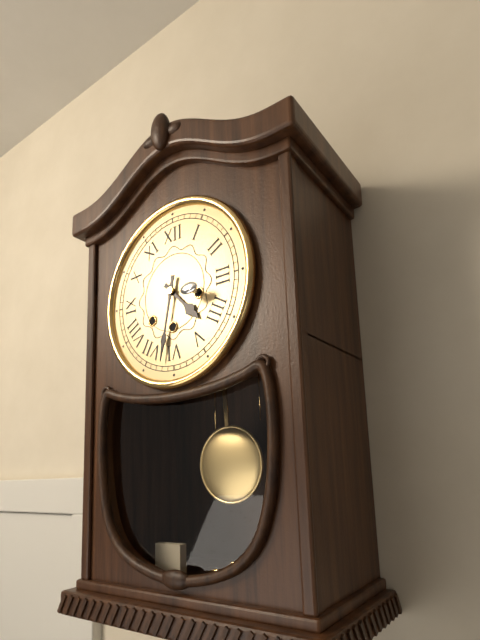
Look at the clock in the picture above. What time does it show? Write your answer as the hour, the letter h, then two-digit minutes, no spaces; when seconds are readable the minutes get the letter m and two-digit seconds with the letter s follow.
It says 4h32
